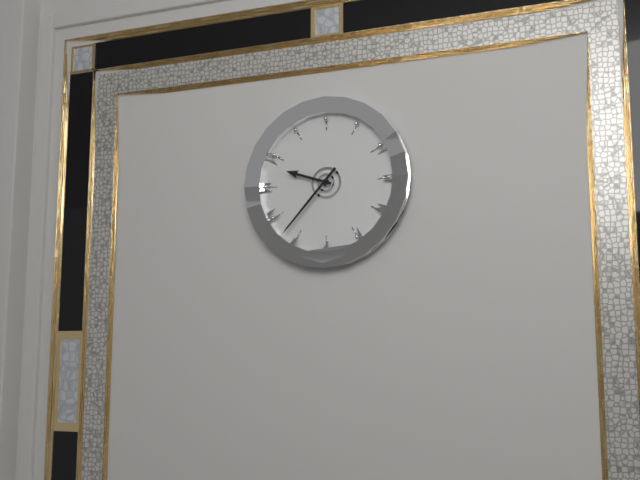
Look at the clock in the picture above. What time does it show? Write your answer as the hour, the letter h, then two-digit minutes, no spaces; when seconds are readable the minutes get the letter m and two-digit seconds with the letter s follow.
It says 9h37
